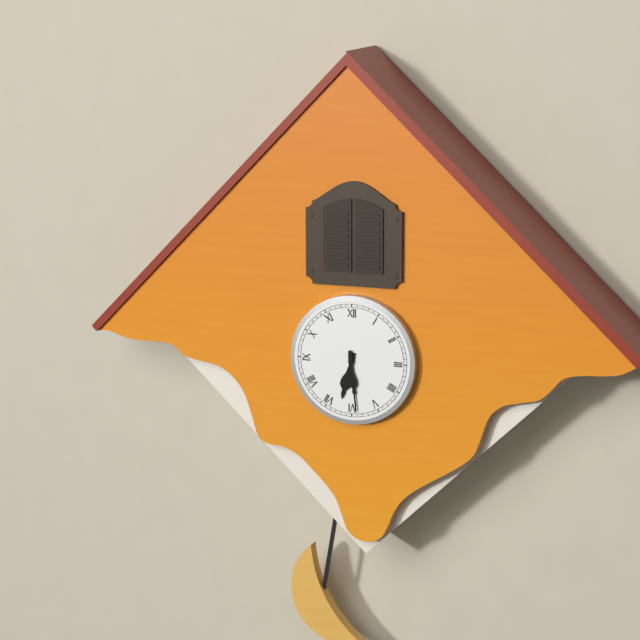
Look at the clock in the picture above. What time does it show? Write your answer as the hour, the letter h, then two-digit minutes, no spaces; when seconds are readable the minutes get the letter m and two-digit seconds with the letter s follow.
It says 6h29
